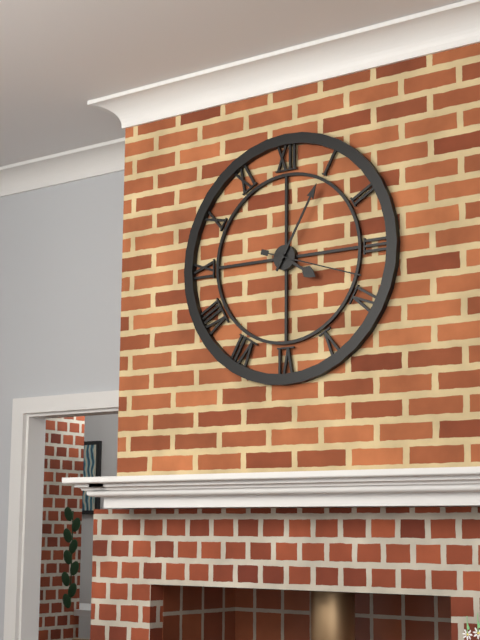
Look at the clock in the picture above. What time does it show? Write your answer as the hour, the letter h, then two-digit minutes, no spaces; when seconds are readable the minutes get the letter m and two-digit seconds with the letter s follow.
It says 4h05m18s
